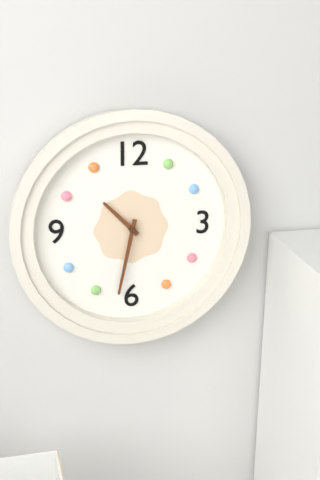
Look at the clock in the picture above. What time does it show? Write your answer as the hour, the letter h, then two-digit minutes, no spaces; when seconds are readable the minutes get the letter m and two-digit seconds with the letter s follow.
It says 10h32
